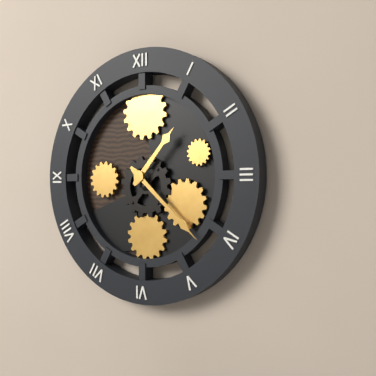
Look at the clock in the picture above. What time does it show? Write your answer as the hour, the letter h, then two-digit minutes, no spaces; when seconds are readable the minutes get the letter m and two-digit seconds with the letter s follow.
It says 1h22
